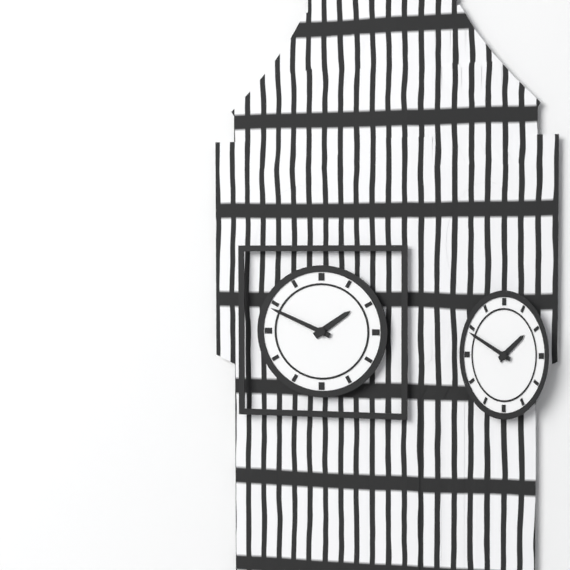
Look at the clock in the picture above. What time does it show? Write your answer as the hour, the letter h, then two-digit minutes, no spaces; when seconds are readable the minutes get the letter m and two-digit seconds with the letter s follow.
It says 1h49
